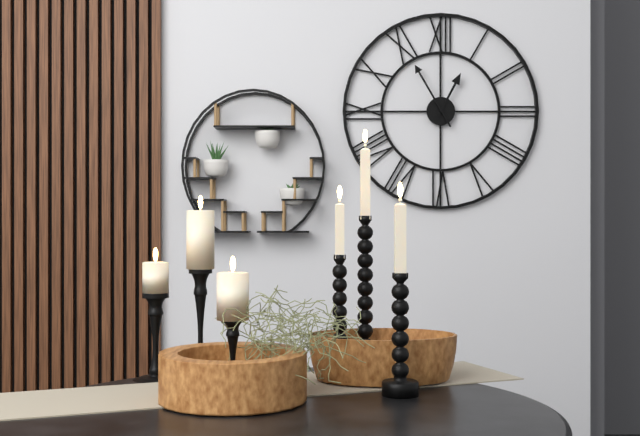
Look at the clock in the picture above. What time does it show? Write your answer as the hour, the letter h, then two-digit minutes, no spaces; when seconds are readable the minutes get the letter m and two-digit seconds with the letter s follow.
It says 12h55
